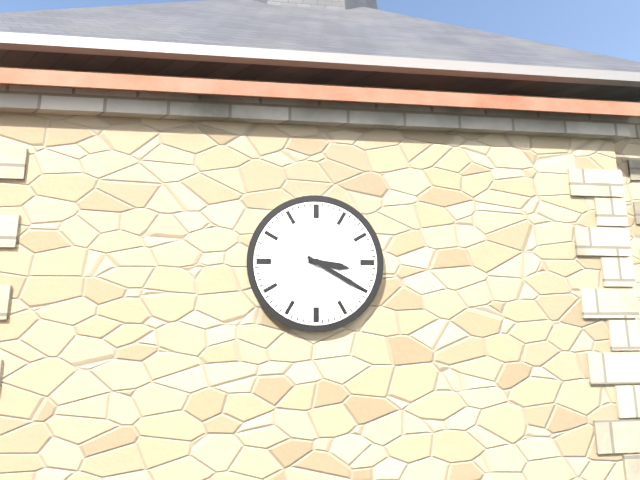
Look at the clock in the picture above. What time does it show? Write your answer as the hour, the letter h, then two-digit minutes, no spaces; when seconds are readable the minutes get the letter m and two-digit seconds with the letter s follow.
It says 3h20
